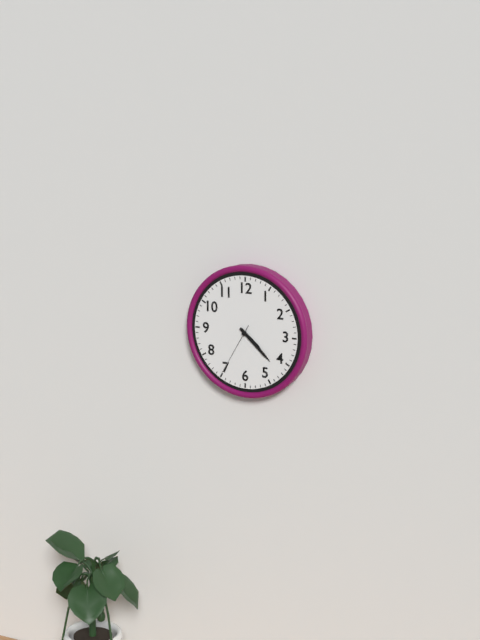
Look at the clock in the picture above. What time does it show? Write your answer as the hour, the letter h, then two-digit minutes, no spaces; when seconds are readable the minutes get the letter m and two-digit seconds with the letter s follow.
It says 4h22m35s
